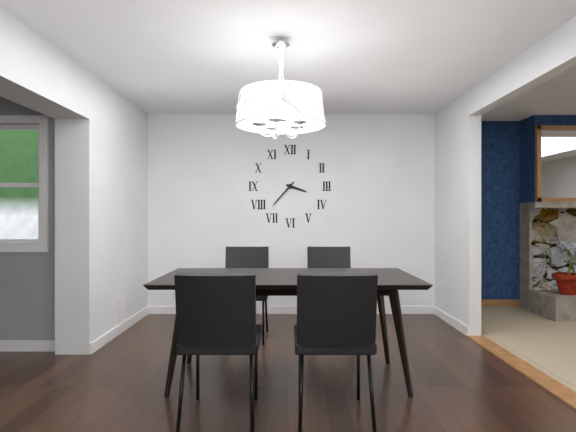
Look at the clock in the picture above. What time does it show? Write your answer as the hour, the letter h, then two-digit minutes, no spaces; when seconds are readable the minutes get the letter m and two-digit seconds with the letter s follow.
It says 3h37
